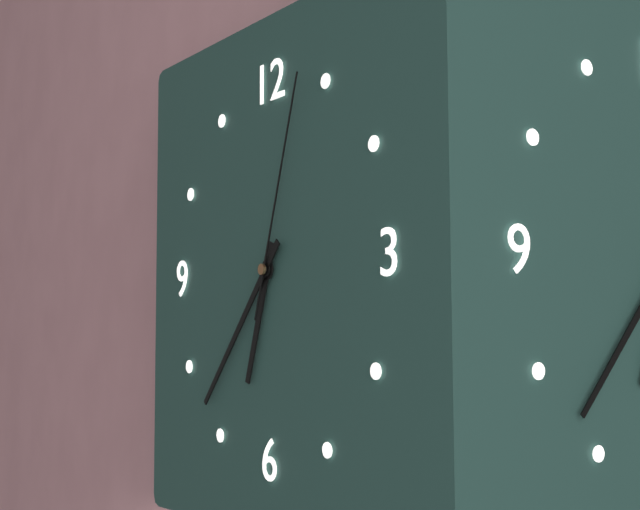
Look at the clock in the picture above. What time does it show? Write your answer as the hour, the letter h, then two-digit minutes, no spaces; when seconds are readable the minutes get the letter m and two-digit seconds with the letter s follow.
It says 6h37m03s
